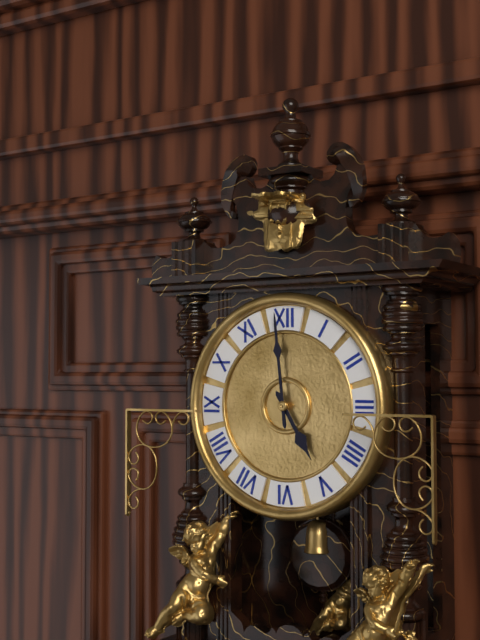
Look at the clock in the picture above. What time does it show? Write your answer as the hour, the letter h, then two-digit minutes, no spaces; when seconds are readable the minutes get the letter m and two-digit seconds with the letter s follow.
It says 4h59
